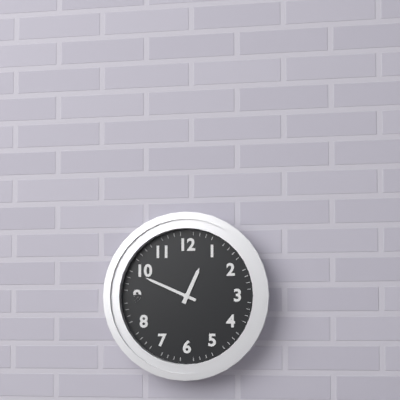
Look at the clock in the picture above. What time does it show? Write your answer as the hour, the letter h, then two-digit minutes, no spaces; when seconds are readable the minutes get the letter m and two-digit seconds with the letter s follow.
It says 12h49
